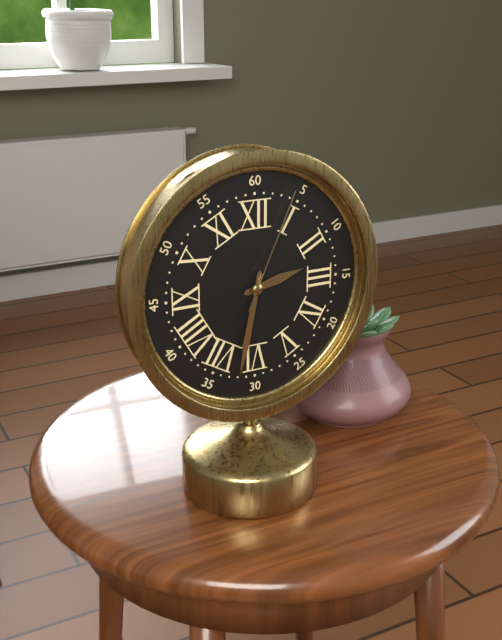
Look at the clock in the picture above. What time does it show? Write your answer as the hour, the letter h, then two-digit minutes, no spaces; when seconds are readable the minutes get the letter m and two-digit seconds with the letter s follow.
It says 2h32m04s
